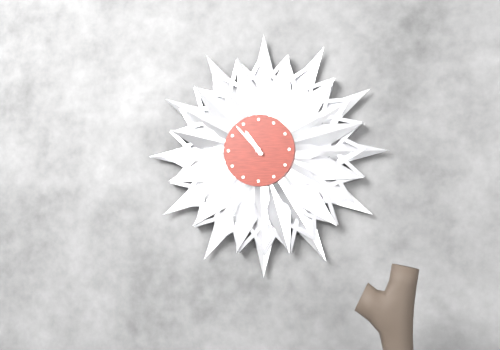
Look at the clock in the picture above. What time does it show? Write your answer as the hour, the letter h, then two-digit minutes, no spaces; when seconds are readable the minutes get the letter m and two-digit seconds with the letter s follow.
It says 10h53
